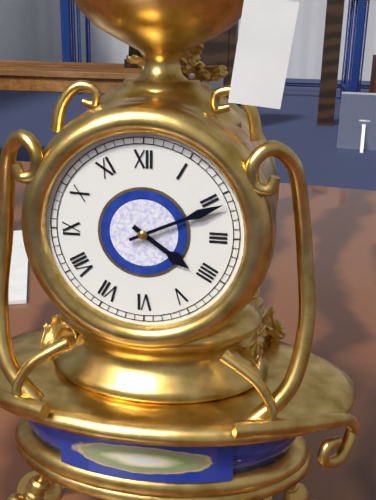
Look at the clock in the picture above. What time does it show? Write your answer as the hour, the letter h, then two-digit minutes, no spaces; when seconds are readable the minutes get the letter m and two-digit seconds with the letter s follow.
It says 4h11
